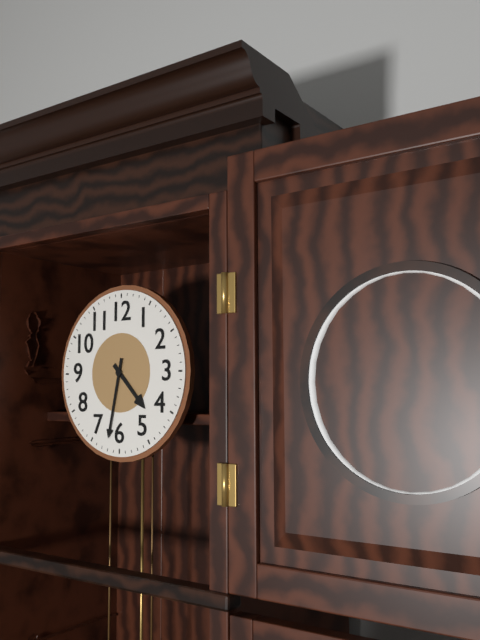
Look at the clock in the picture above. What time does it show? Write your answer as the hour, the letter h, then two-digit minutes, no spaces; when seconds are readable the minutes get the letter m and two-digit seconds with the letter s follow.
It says 4h32
